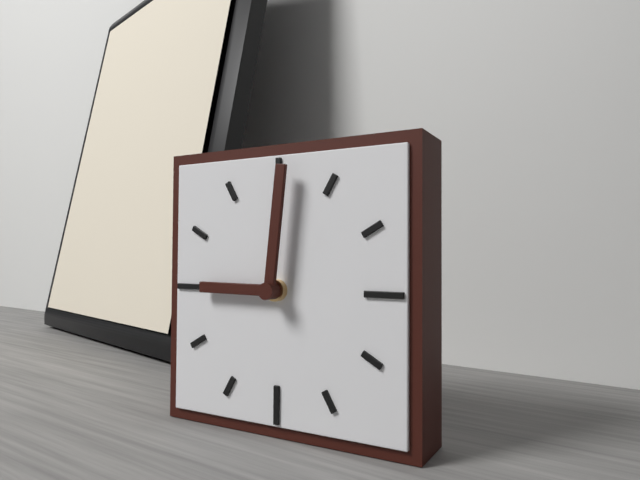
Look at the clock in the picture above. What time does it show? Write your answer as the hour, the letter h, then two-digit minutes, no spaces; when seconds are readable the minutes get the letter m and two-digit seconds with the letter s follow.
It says 9h01
